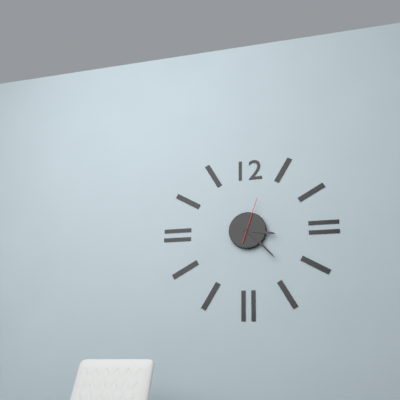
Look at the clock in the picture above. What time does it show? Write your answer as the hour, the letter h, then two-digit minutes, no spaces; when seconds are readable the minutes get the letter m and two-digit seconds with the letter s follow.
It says 3h23
